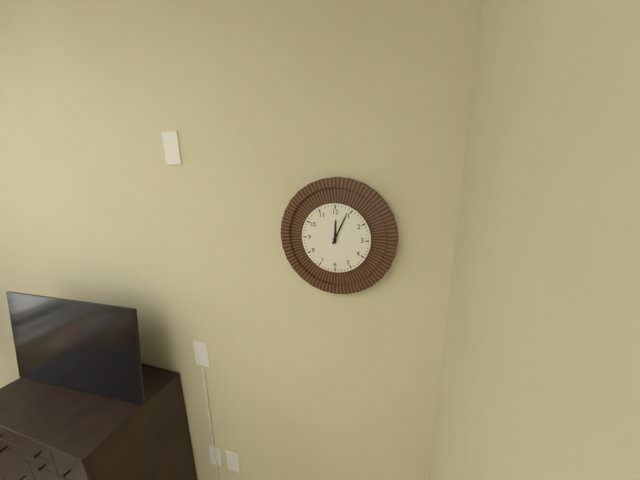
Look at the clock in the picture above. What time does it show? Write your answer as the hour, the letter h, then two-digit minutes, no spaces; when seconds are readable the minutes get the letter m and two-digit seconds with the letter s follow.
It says 12h04
